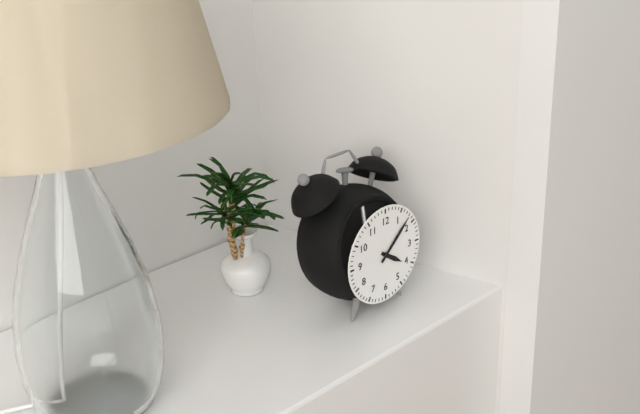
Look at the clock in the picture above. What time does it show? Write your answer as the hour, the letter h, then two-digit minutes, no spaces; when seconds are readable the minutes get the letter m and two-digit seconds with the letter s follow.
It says 4h08
